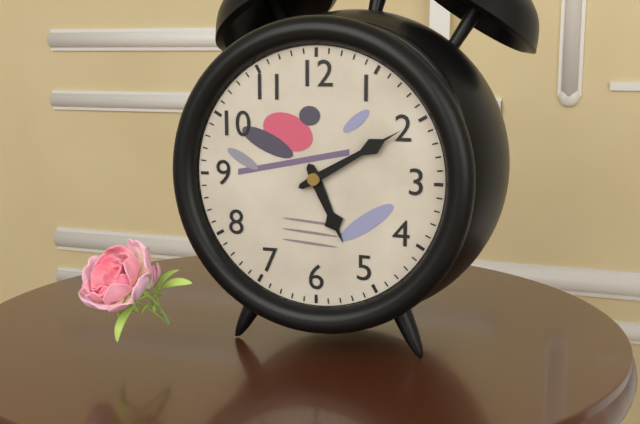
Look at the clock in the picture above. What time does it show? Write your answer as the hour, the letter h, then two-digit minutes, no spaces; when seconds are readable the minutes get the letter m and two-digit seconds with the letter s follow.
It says 5h10
